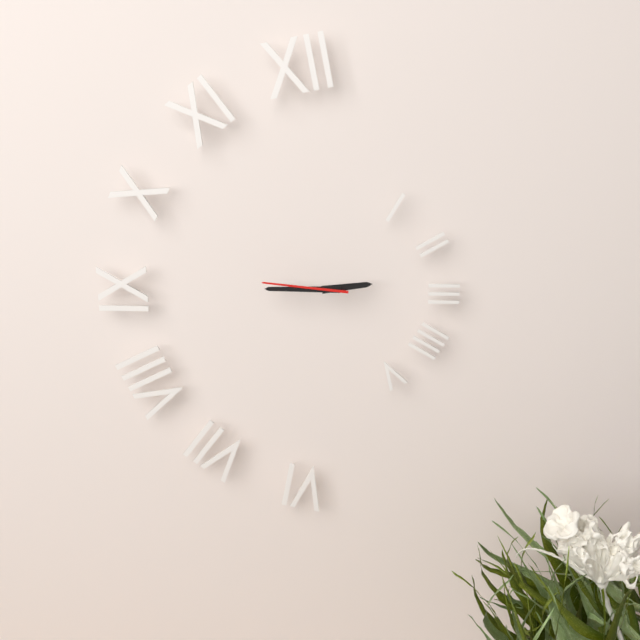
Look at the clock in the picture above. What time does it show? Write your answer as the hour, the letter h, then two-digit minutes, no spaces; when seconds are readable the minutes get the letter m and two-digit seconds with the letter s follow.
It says 2h45m46s
